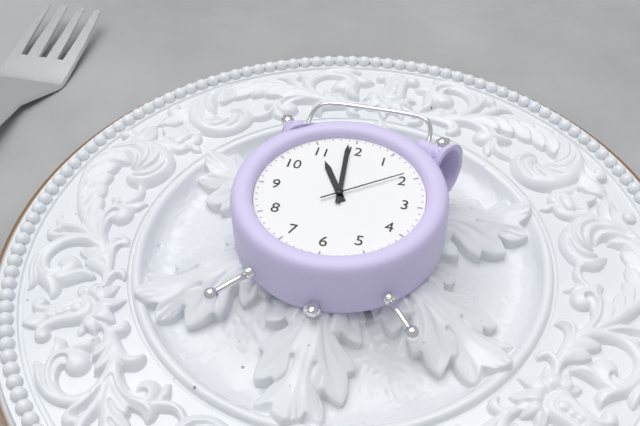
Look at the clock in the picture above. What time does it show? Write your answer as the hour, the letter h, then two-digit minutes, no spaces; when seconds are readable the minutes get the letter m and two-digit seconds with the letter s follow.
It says 10h59m09s
